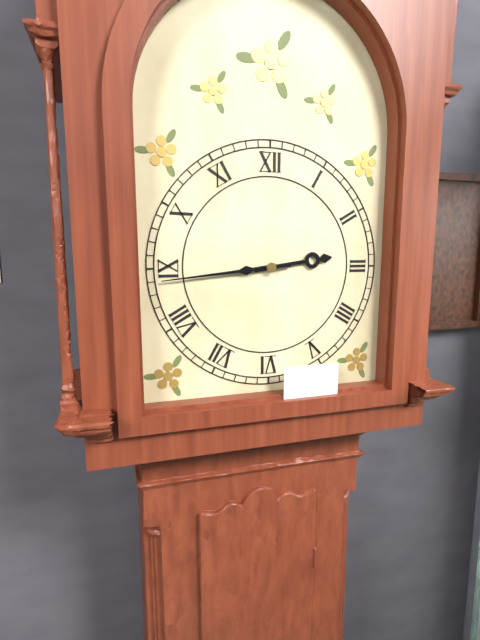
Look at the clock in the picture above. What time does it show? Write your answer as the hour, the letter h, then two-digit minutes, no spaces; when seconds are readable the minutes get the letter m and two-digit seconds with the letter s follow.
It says 2h44
